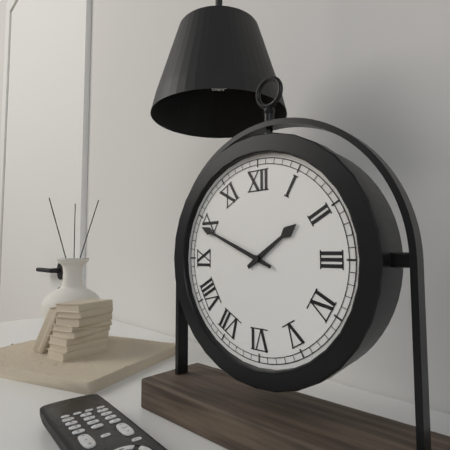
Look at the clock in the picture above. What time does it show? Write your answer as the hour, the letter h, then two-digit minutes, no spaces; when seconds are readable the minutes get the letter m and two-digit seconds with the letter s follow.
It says 1h49
